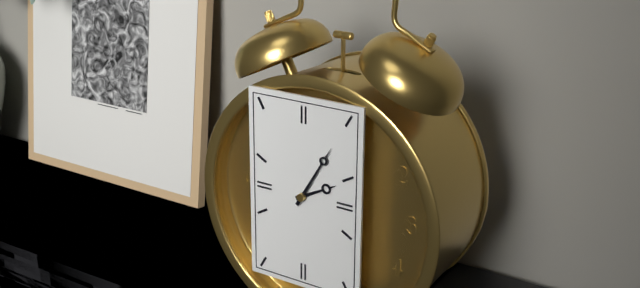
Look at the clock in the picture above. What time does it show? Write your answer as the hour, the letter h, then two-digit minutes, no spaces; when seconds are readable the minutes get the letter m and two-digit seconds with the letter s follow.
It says 2h05
